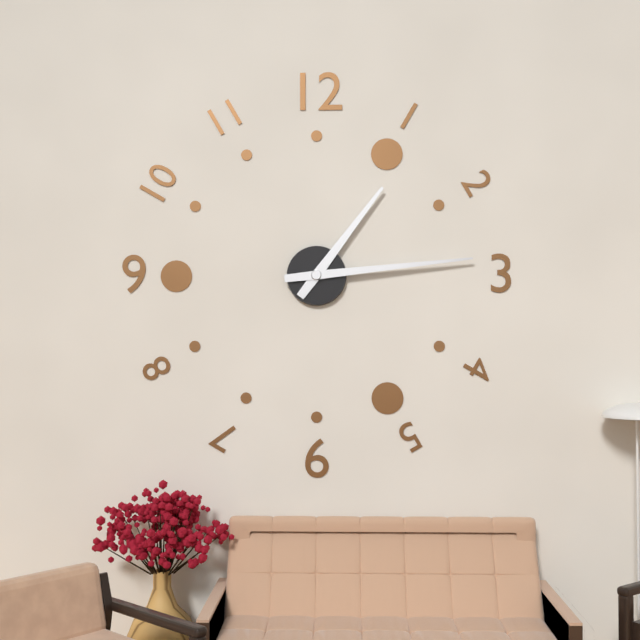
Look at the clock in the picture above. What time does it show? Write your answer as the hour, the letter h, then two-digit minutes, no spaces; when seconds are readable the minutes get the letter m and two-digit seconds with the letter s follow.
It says 1h14
